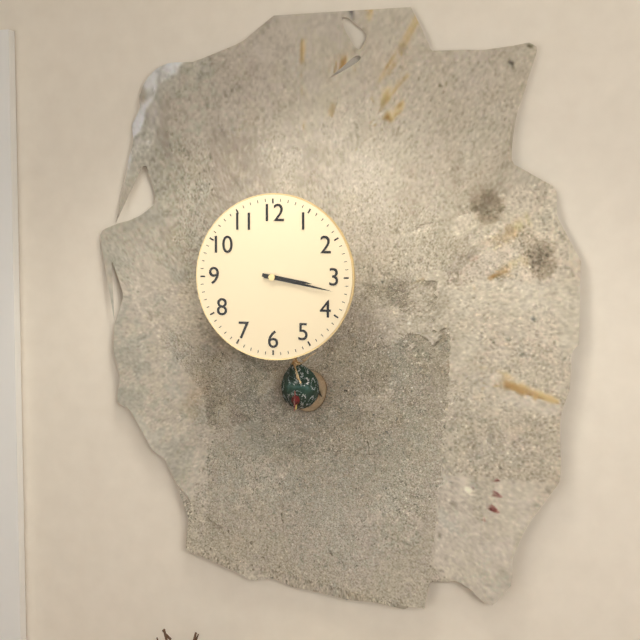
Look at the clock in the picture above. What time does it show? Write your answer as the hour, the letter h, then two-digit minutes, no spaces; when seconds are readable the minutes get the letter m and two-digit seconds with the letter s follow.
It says 3h17
